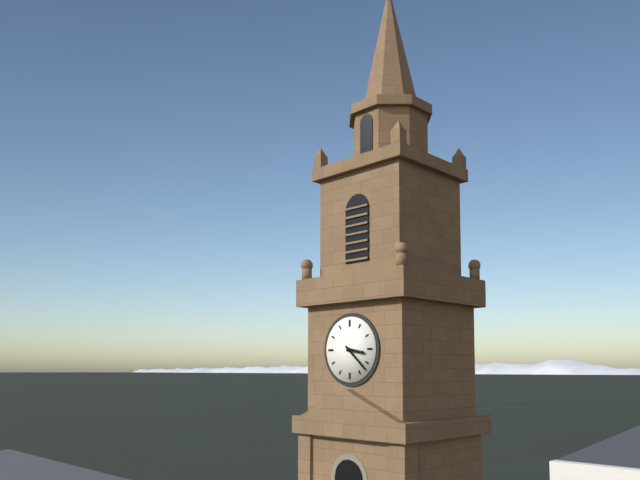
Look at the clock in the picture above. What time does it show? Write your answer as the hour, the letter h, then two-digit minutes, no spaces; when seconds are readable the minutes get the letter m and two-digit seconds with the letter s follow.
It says 3h22
